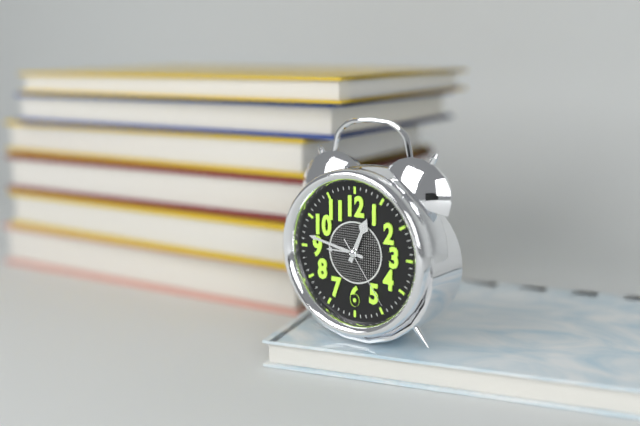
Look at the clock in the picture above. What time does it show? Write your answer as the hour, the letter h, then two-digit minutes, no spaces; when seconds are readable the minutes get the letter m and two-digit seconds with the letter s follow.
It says 12h47m24s
